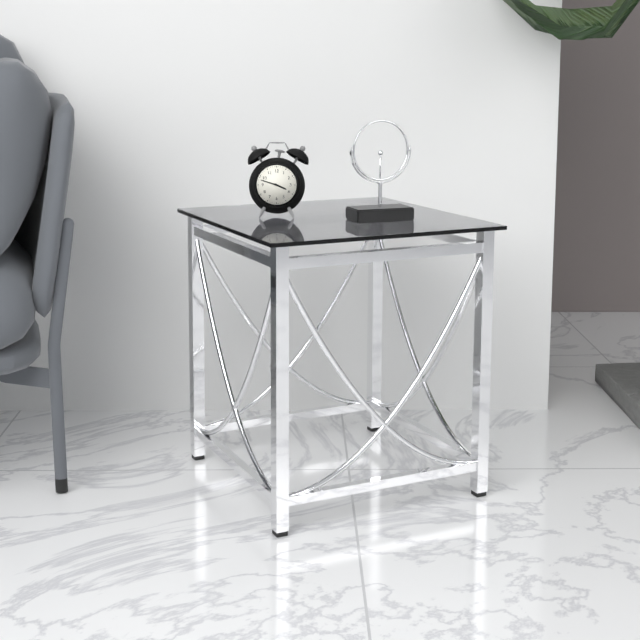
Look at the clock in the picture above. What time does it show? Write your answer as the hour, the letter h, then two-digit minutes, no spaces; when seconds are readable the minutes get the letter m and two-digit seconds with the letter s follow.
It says 3h48
